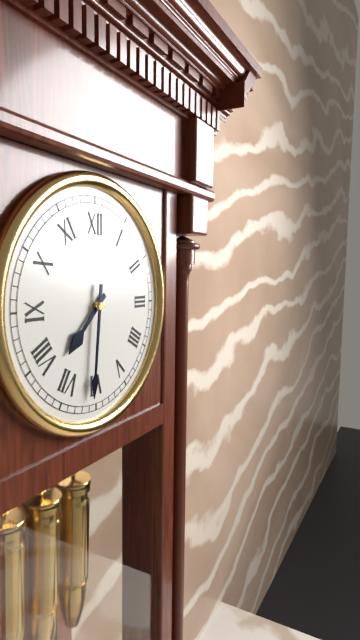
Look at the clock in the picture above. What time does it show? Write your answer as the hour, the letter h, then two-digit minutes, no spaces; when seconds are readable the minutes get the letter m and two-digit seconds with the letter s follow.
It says 7h31
